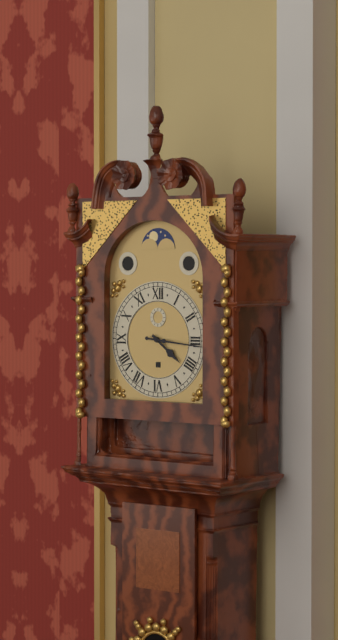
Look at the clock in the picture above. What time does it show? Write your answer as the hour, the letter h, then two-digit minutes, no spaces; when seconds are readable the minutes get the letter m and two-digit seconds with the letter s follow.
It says 4h16
